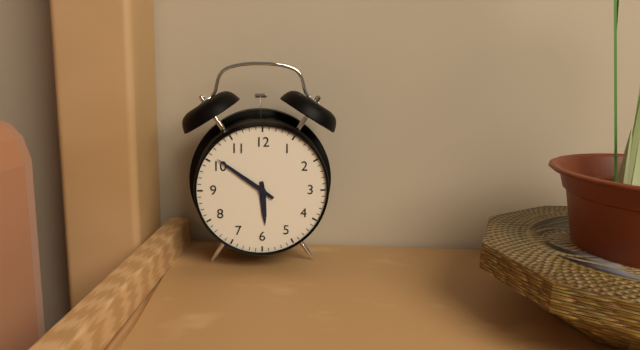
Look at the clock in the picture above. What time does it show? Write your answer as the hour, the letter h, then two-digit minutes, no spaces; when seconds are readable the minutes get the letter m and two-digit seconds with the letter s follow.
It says 5h51
